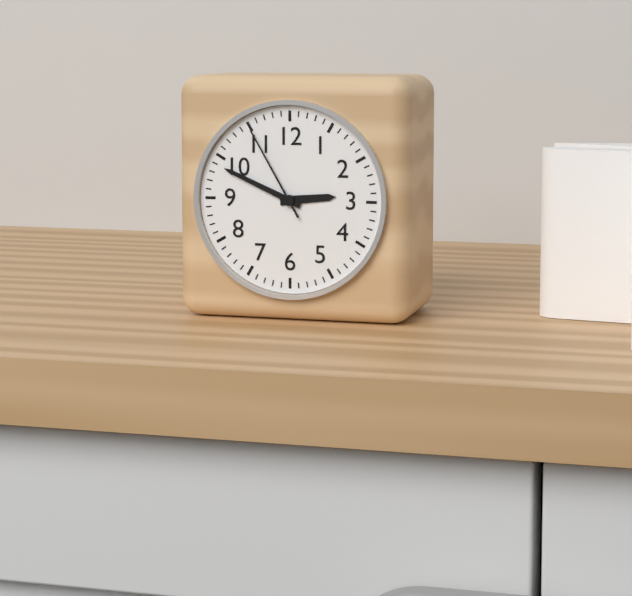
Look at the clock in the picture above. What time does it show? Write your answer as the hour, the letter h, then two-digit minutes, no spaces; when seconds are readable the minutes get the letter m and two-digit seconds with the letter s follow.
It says 2h49m55s
